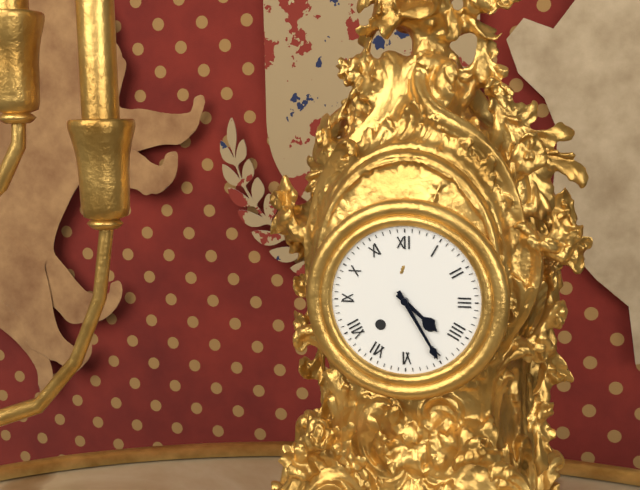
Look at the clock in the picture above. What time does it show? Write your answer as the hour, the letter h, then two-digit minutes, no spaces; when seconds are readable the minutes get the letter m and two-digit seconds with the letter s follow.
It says 4h25
